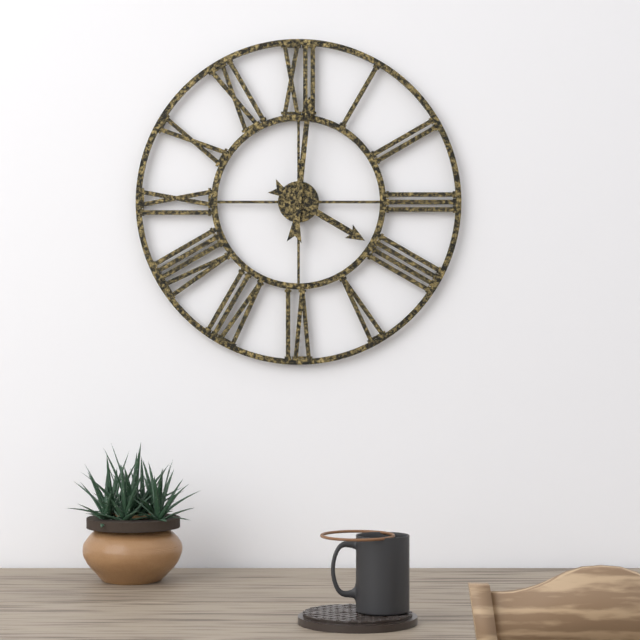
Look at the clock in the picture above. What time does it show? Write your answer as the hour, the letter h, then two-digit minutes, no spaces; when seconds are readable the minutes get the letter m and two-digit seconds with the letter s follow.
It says 4h01
